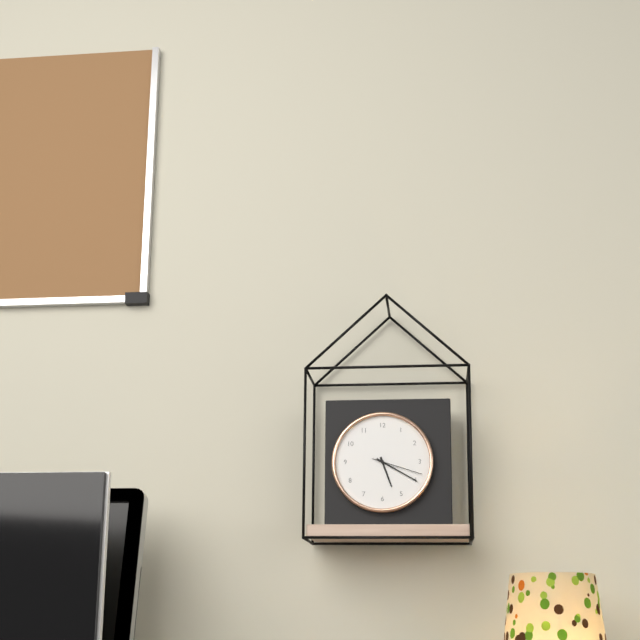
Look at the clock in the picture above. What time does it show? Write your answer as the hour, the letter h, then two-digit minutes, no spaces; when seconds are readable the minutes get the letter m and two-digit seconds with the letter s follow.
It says 5h20m18s
